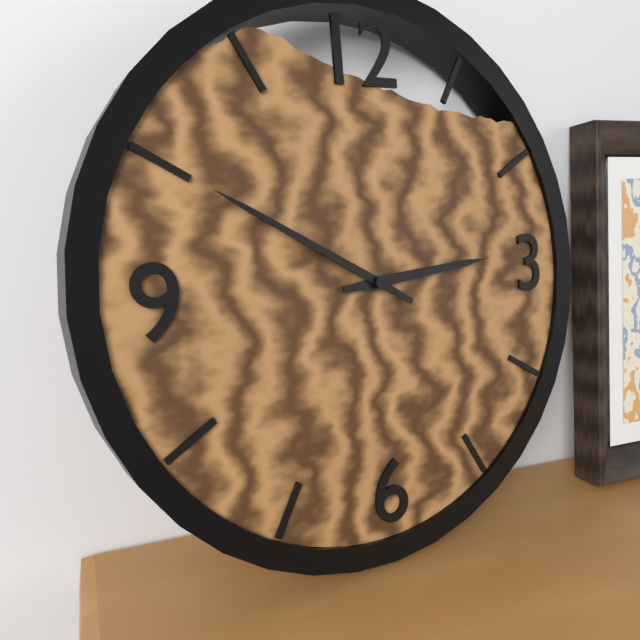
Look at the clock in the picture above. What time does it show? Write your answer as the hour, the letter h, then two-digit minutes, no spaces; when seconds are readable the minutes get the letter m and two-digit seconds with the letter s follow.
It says 2h50
